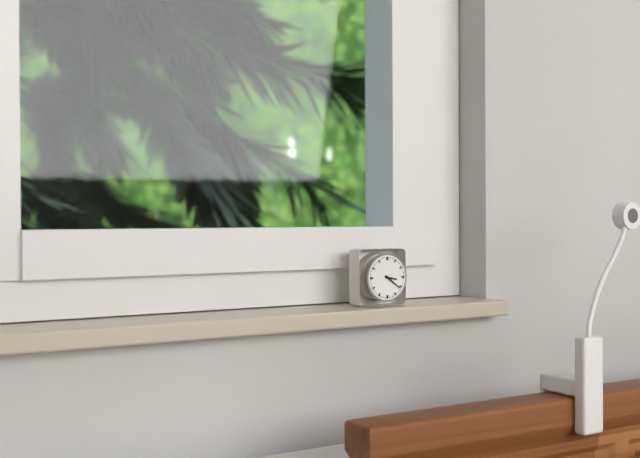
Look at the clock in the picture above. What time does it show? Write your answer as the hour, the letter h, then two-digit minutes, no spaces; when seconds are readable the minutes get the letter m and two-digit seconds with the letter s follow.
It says 3h21
